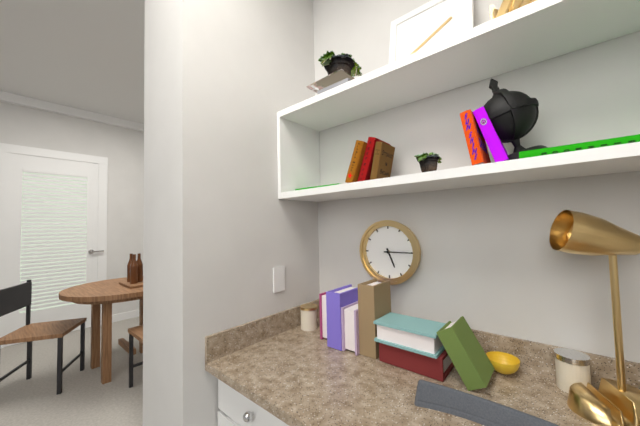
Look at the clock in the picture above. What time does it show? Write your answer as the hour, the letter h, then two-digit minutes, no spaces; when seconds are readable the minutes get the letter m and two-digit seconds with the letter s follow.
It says 5h15
